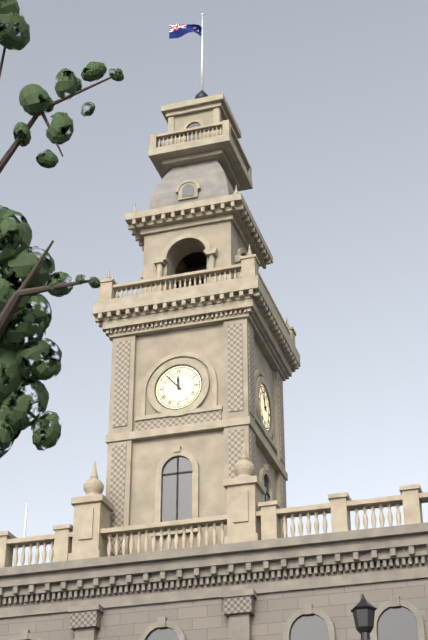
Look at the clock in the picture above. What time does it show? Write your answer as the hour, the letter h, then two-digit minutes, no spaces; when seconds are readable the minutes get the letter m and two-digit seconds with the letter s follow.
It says 11h53
